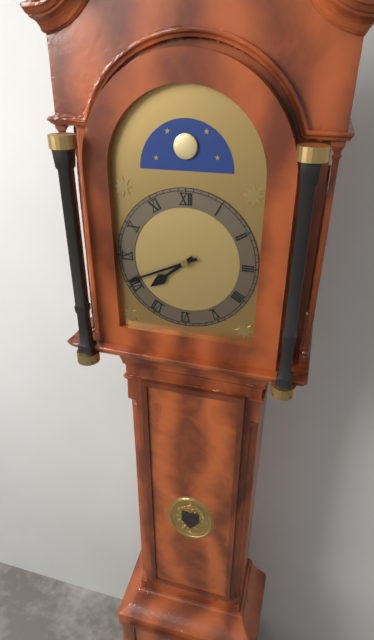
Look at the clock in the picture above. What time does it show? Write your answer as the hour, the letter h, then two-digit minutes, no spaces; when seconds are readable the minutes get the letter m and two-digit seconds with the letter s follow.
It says 7h41
